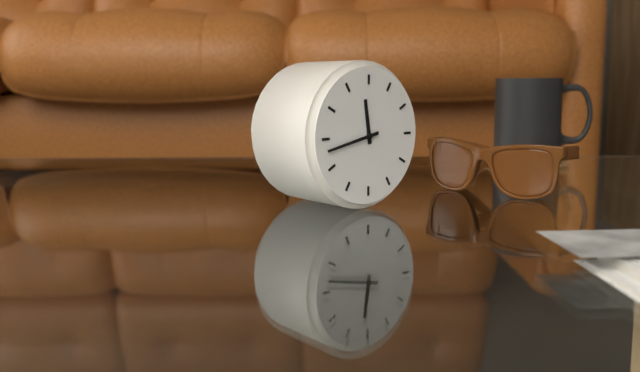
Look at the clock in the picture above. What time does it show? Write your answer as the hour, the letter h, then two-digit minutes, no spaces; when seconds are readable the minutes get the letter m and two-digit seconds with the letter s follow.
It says 11h43
